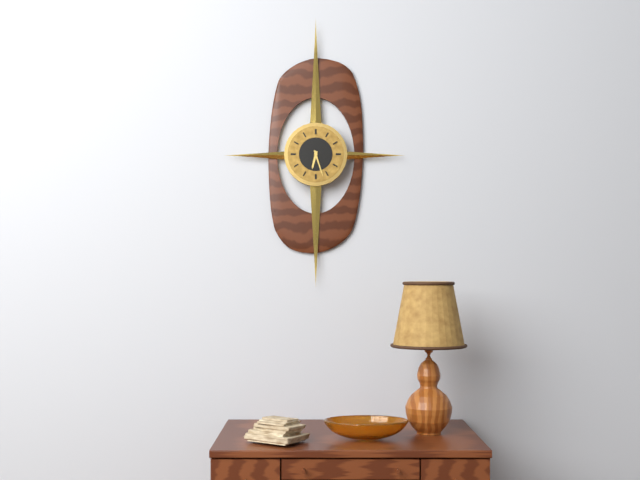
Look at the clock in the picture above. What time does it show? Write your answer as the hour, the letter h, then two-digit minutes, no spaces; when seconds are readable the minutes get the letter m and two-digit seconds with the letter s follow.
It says 6h27
